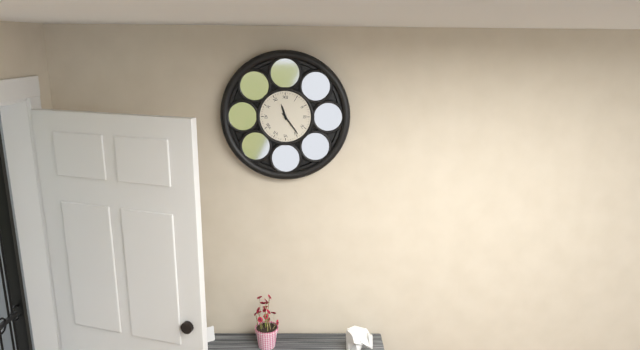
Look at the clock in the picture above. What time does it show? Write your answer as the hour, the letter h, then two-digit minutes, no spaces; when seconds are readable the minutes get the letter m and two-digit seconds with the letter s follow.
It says 11h24
